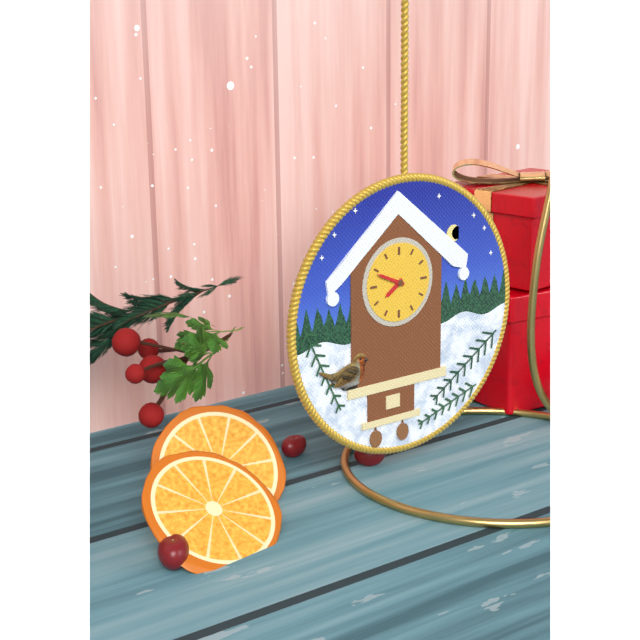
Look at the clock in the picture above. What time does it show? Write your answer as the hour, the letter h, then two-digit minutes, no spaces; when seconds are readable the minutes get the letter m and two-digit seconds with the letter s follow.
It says 7h49
